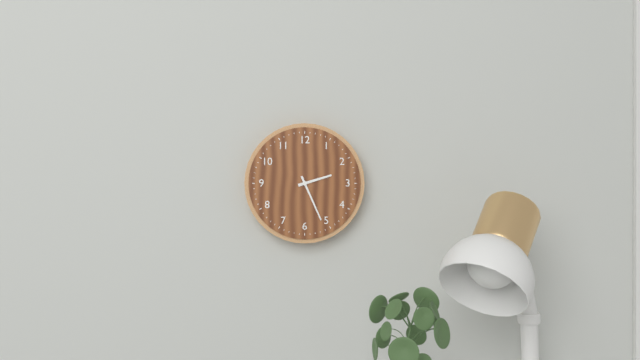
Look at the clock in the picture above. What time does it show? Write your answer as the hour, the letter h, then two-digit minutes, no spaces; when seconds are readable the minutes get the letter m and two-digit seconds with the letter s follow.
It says 2h26
